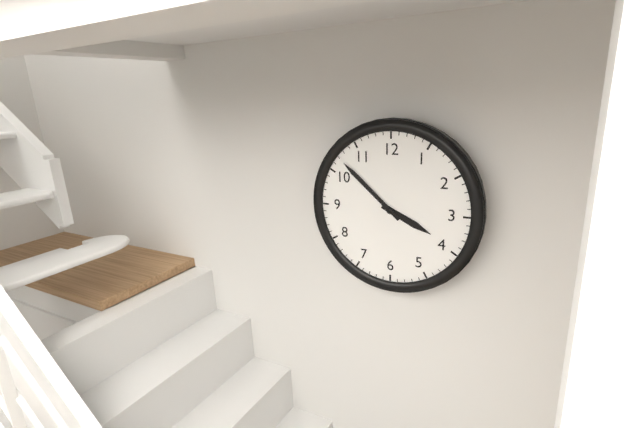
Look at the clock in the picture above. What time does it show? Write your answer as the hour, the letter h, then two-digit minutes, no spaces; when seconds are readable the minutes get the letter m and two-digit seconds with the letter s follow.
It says 3h52
